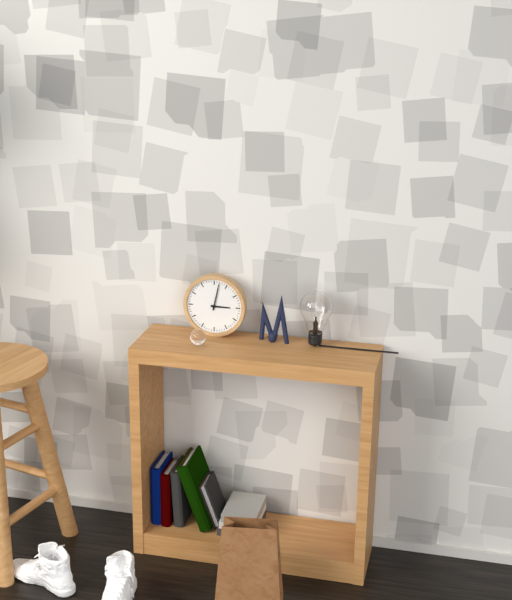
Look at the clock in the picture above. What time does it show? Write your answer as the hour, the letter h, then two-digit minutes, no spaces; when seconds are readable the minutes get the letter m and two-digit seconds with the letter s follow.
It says 3h02
